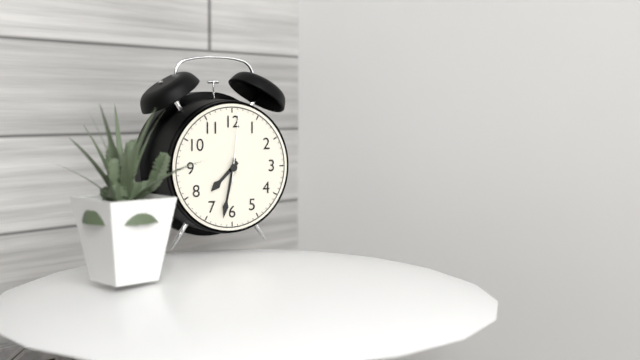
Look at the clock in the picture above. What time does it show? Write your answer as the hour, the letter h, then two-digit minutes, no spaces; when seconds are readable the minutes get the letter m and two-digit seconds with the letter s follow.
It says 7h32m01s
